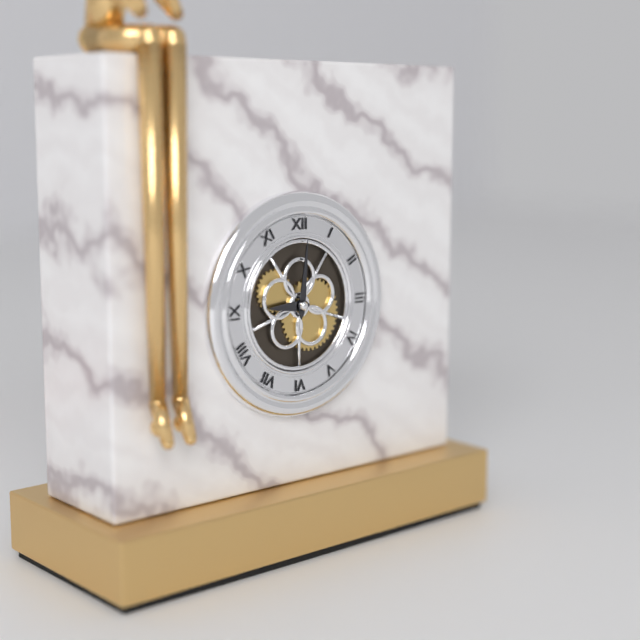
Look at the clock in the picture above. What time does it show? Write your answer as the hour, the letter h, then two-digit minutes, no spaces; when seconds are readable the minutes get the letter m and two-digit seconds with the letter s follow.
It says 9h01
